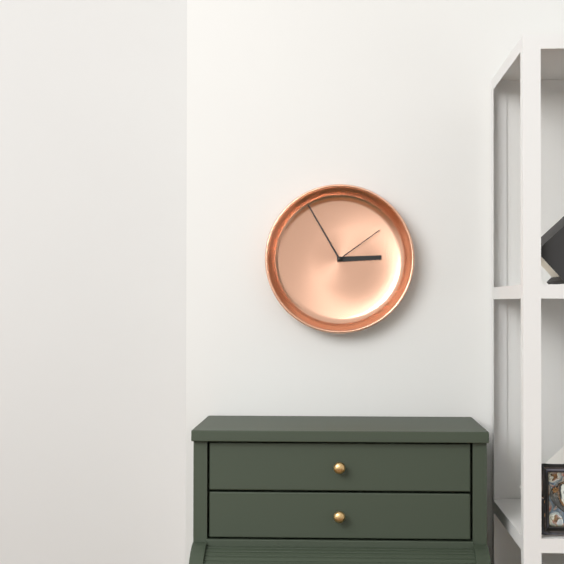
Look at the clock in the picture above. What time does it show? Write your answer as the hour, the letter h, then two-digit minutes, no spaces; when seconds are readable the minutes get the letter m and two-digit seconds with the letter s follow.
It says 2h55m09s
